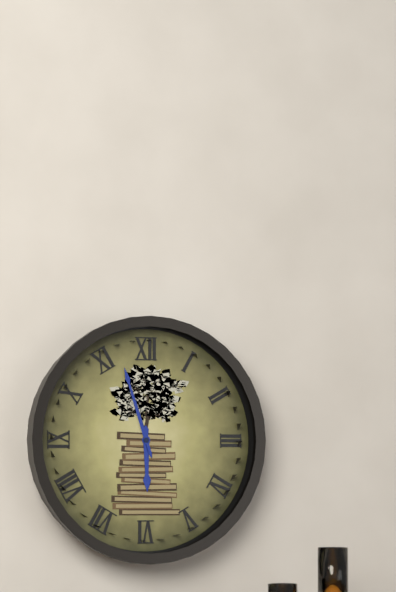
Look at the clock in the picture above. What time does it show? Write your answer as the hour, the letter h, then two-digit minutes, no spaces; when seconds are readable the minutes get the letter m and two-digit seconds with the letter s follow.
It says 5h57
